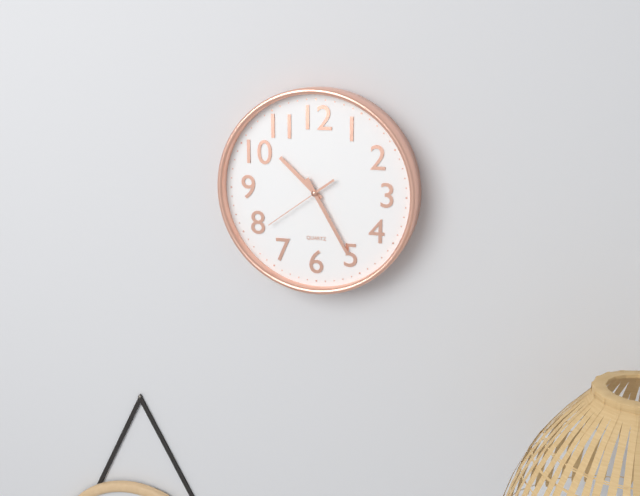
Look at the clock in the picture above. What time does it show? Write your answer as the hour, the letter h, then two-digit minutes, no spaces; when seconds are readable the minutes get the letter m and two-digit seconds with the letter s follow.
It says 10h25m39s
